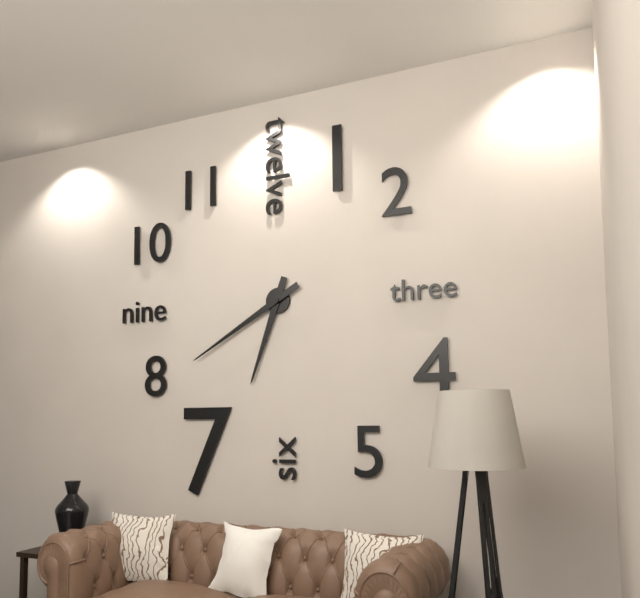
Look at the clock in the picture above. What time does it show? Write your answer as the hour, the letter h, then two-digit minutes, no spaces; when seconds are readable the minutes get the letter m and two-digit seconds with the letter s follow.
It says 6h40
